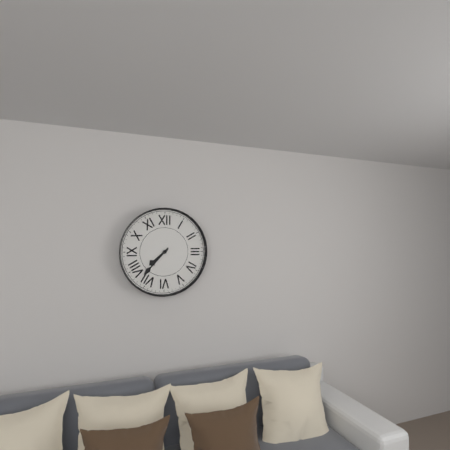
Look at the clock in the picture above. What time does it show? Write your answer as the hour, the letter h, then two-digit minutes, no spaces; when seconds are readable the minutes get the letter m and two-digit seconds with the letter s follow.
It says 7h37
